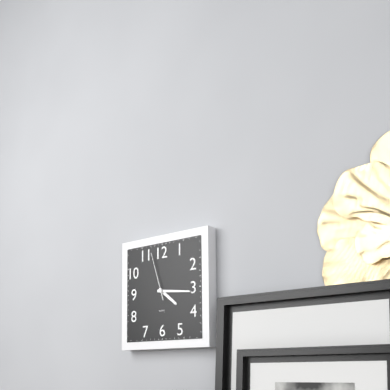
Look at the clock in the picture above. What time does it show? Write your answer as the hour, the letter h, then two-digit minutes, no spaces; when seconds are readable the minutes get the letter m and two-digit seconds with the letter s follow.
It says 4h16
